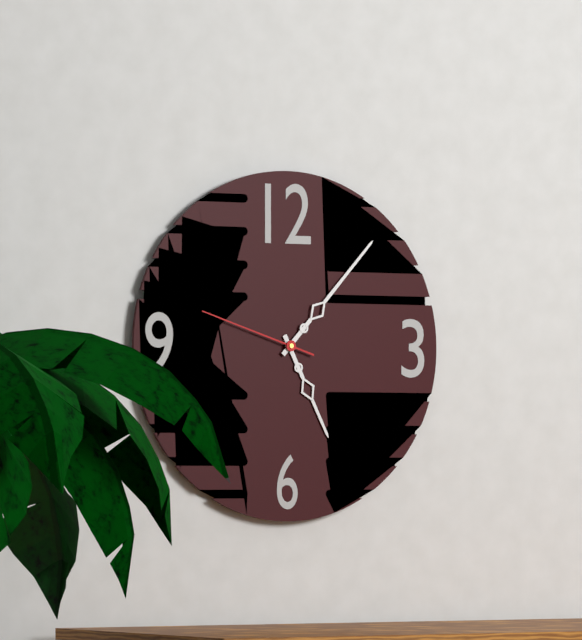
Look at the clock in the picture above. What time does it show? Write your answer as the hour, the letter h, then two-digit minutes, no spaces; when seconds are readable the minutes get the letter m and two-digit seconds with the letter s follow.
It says 5h07m48s
